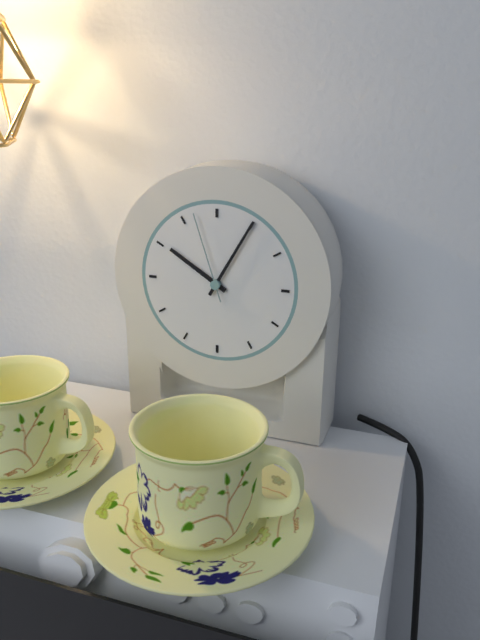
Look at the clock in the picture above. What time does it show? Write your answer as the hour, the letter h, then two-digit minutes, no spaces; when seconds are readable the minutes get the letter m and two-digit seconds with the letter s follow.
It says 10h05m57s
